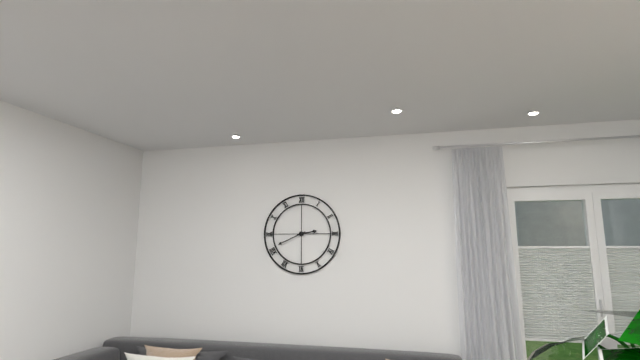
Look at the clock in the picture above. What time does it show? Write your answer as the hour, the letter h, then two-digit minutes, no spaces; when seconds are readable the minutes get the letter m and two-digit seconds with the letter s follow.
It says 2h41
